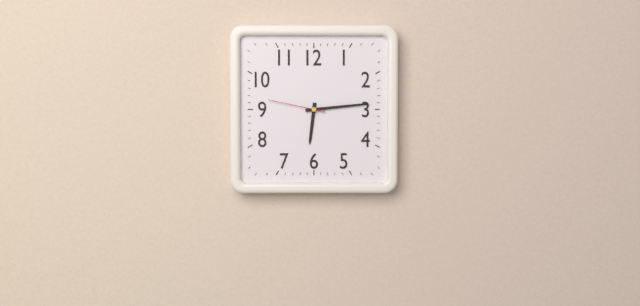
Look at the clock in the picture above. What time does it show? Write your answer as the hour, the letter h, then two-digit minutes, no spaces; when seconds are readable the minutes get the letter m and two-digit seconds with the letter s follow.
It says 6h14m47s
